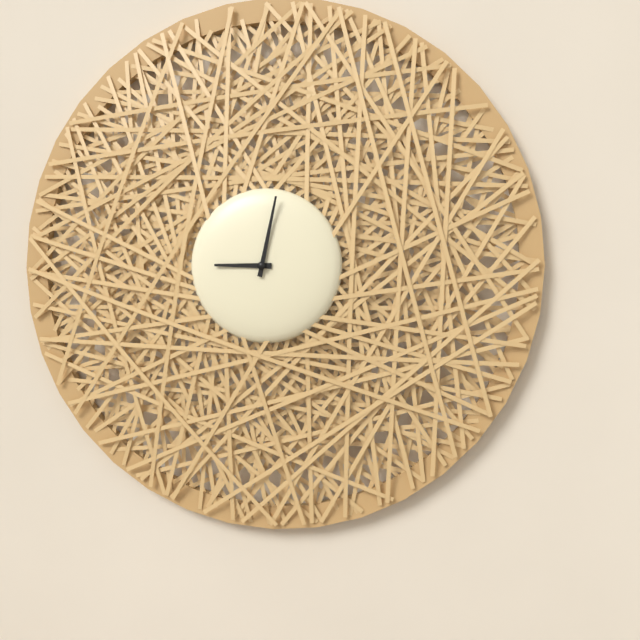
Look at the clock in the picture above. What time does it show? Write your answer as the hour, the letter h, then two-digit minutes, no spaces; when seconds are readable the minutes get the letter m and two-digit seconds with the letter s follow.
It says 9h02
